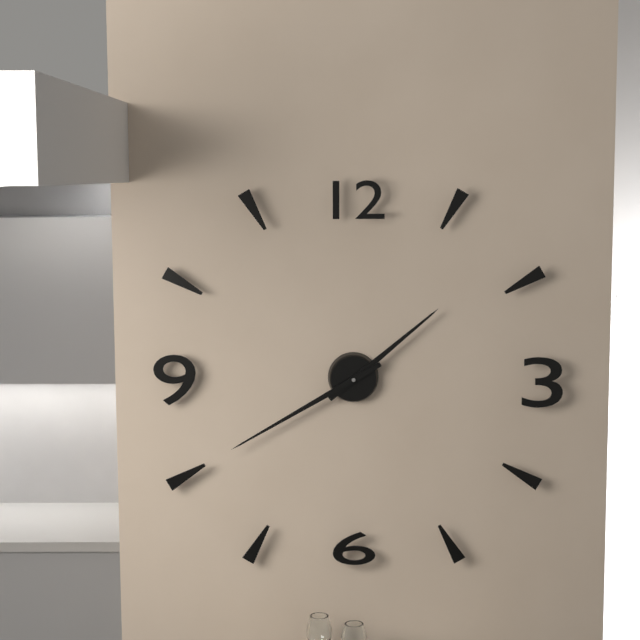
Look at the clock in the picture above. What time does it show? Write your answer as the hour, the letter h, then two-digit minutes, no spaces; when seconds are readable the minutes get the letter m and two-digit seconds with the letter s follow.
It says 1h40
